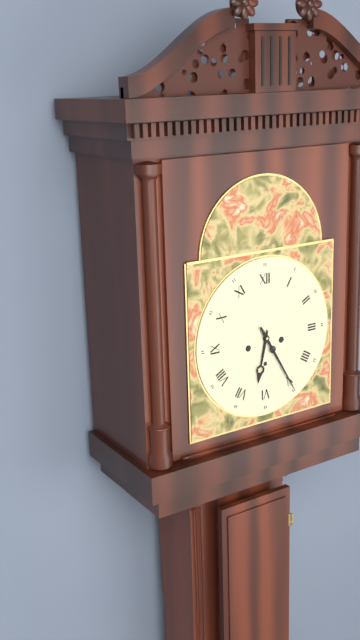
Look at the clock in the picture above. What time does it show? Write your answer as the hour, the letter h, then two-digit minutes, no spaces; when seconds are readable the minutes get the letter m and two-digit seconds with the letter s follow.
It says 6h25
